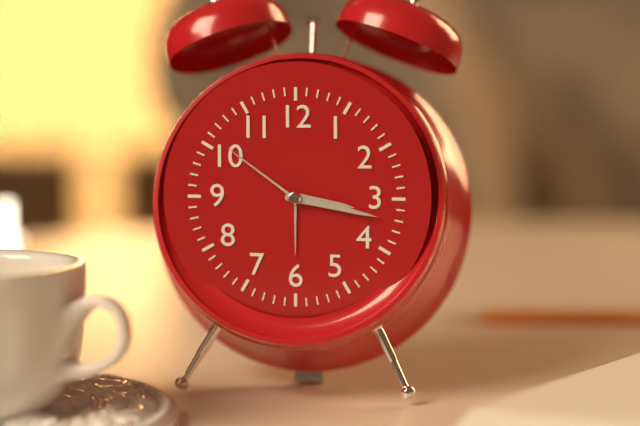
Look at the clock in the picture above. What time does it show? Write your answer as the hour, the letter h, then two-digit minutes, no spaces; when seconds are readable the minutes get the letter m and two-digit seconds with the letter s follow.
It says 3h17m51s
